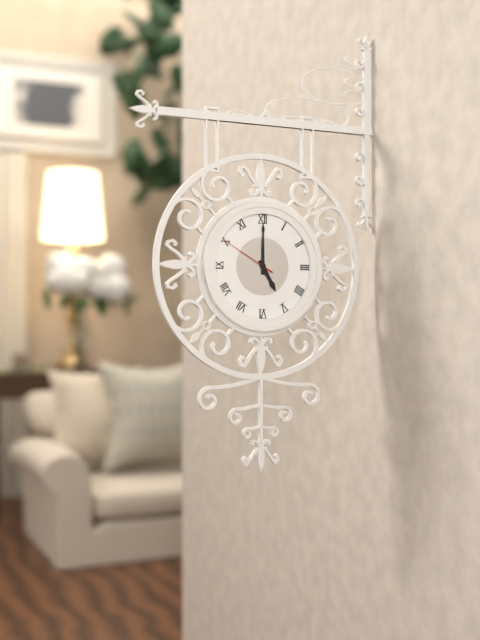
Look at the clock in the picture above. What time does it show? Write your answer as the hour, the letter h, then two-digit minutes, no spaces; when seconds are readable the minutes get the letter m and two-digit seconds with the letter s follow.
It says 5h00m50s
